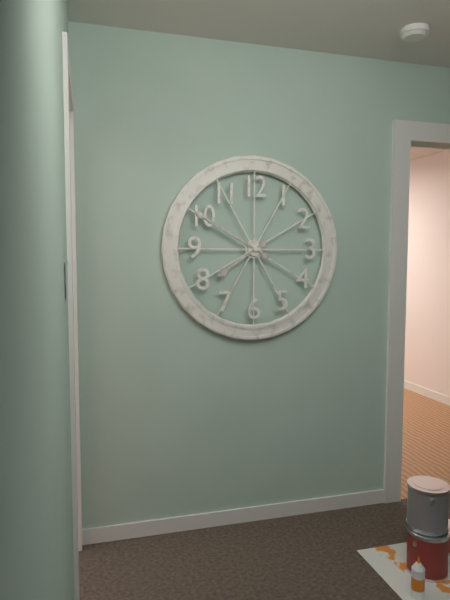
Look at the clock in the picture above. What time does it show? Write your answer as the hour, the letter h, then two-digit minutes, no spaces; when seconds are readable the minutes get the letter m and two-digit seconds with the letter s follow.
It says 7h50
